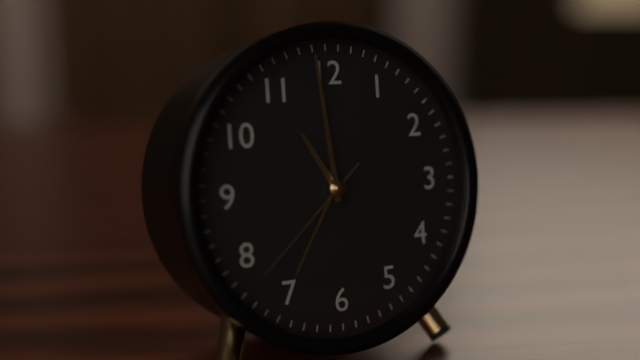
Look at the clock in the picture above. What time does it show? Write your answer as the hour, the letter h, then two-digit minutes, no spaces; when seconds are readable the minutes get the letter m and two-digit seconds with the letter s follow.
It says 10h59m38s
